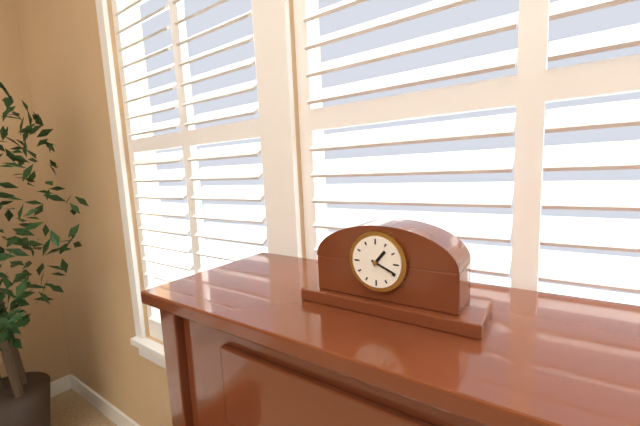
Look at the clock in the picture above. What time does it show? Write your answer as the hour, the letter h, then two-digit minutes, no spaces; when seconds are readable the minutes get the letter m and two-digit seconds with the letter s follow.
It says 1h19
